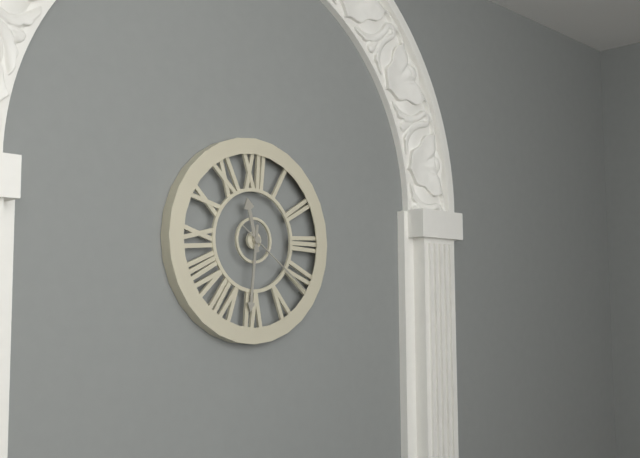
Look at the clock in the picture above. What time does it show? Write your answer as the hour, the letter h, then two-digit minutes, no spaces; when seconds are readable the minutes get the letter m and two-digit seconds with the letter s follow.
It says 11h31m21s
